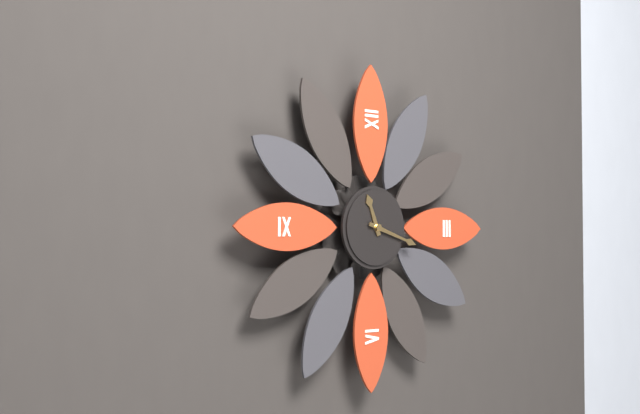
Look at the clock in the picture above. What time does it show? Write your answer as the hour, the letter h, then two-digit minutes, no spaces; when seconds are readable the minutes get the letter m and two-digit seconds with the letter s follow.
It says 11h18
